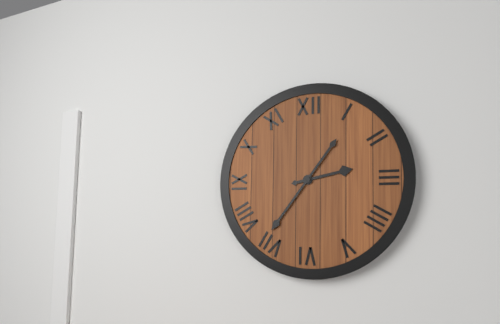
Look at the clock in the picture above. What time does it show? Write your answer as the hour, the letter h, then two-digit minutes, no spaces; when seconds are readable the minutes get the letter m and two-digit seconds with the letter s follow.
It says 2h36
